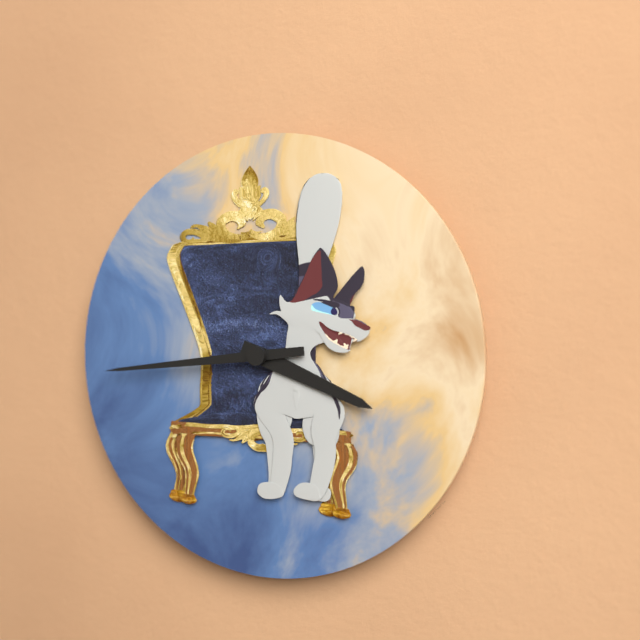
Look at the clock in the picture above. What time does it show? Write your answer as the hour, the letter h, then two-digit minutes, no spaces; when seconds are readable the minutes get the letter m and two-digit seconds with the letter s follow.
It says 3h44
